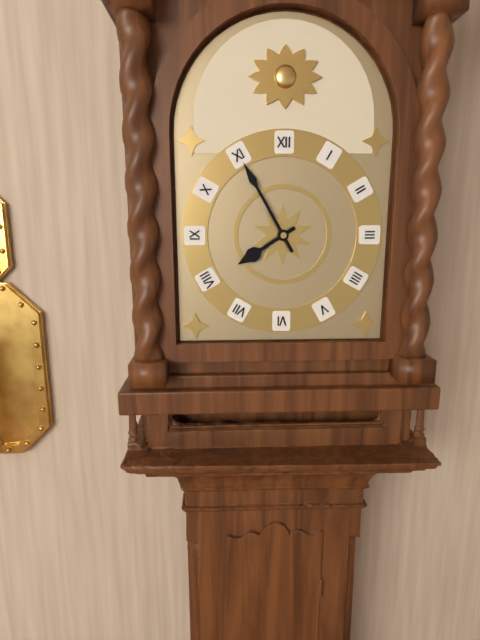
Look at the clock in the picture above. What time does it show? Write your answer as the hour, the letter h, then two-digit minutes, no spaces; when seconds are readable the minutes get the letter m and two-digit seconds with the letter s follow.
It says 7h55
